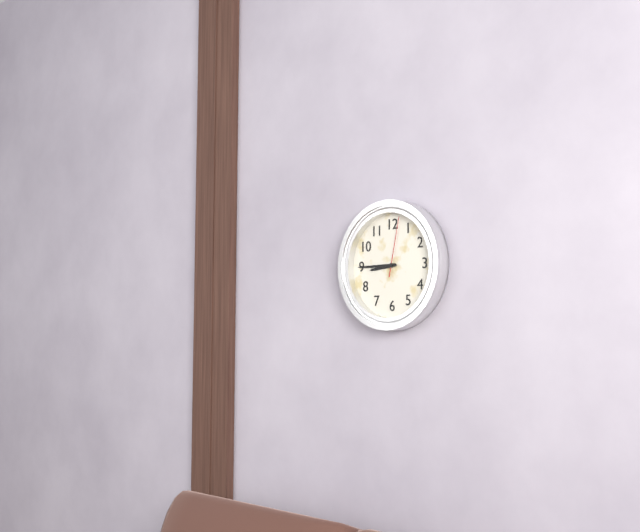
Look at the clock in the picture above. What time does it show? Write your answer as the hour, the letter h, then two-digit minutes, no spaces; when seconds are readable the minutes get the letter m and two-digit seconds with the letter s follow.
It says 8h45m02s
